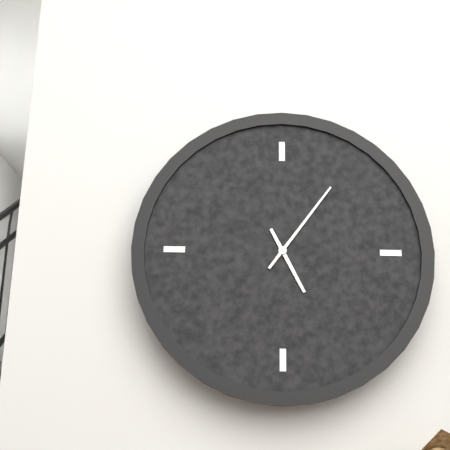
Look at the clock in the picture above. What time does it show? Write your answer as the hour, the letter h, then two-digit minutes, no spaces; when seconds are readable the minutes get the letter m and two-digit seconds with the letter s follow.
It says 5h06
